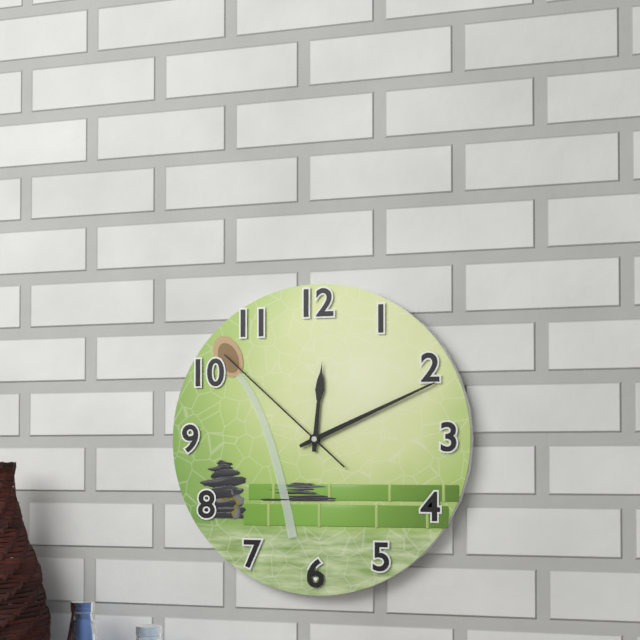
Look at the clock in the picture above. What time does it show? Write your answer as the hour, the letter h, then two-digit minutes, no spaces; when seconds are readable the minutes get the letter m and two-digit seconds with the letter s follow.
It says 12h11m52s
